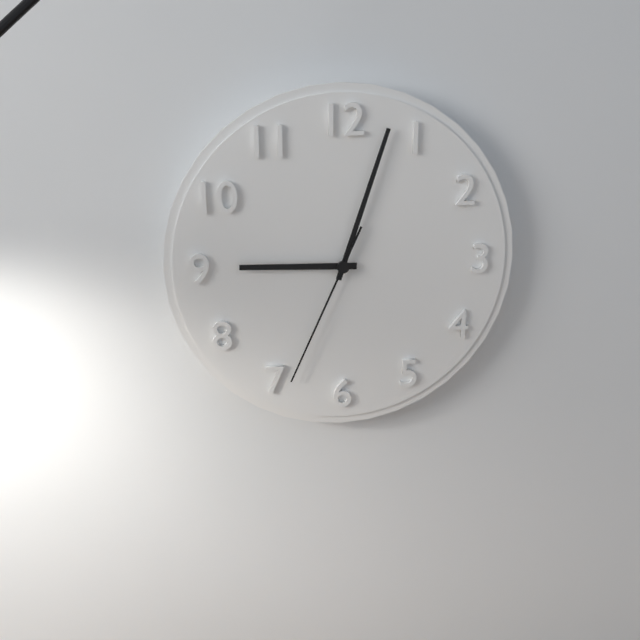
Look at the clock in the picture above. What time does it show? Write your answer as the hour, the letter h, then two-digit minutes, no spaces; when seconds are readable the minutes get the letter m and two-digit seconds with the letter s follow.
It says 9h03m34s
